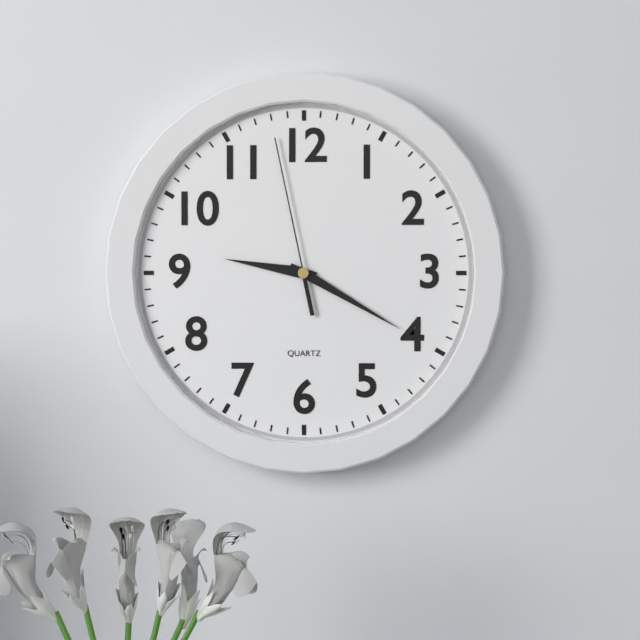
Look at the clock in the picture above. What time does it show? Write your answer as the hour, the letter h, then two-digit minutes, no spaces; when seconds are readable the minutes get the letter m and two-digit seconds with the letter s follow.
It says 9h20m58s
